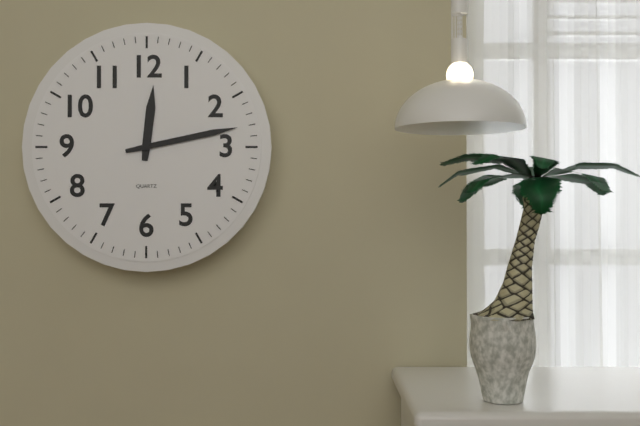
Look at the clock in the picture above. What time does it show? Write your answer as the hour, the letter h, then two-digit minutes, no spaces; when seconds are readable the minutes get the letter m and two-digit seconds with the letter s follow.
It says 12h13
